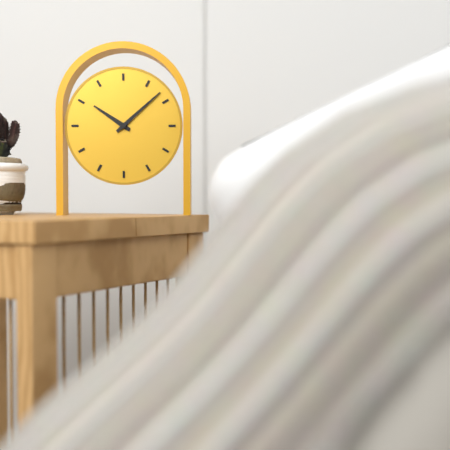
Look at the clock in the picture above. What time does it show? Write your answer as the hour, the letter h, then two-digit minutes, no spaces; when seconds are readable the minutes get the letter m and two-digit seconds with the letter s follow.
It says 10h08
